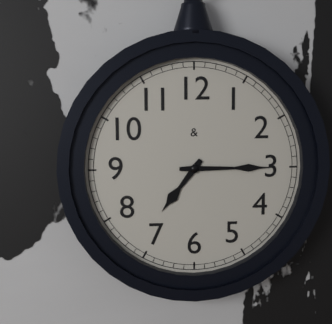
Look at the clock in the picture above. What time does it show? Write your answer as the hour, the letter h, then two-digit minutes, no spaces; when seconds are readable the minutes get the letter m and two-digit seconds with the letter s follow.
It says 7h15
